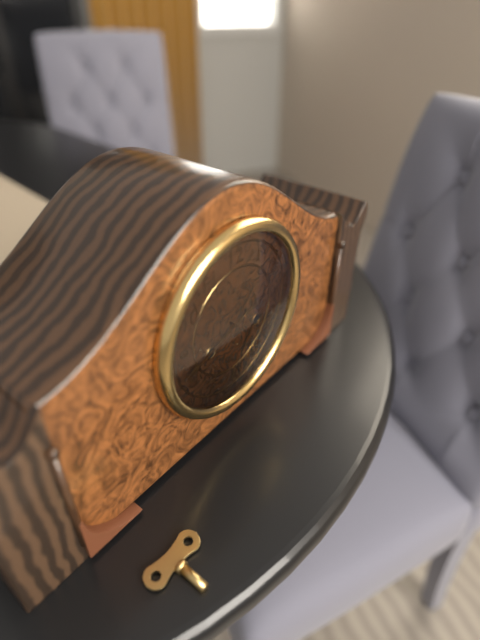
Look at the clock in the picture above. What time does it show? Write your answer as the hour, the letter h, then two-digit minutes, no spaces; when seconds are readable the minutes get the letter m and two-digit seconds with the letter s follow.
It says 2h42
